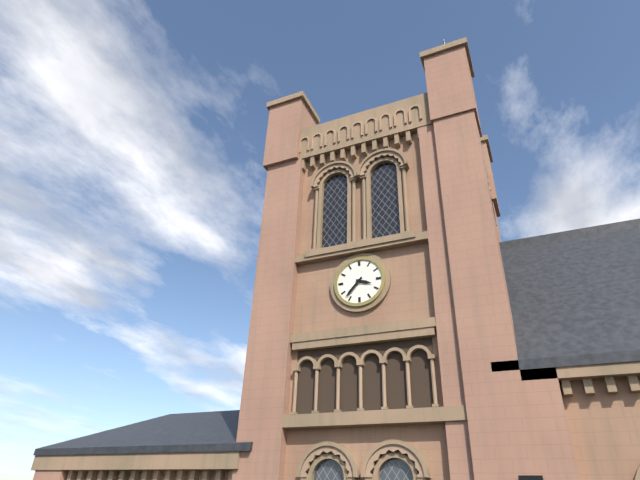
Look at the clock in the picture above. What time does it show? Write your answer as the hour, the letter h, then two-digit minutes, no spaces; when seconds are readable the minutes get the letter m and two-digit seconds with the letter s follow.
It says 3h37
